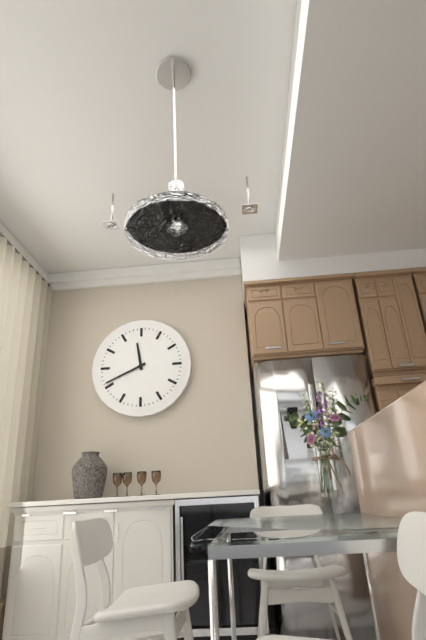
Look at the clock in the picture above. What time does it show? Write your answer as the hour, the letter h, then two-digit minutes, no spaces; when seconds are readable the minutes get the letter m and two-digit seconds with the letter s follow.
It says 11h41
